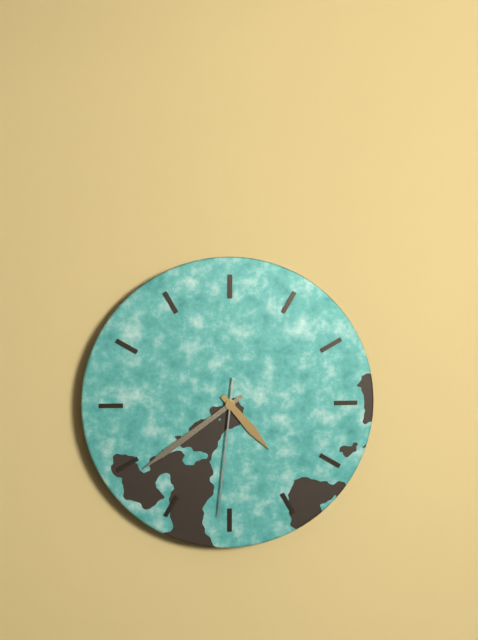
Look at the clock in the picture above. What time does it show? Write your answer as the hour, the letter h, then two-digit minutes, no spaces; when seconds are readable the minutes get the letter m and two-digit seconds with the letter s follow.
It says 4h39m31s
